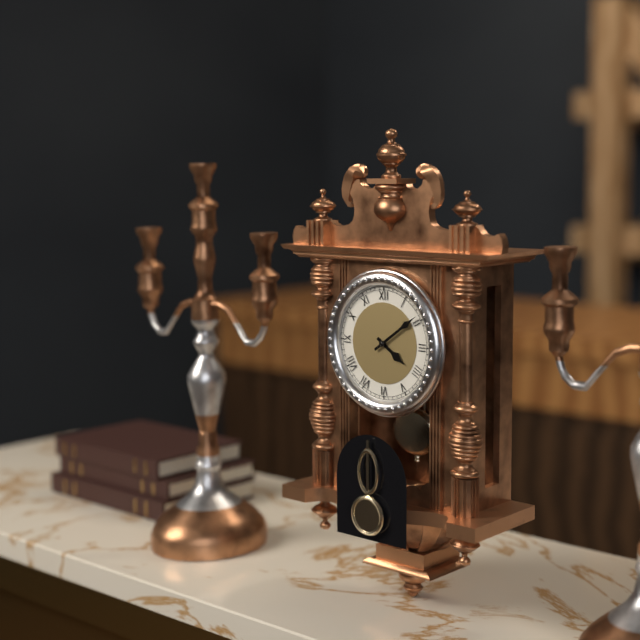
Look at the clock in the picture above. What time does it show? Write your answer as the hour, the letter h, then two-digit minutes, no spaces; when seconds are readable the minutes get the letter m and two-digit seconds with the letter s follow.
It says 4h09
